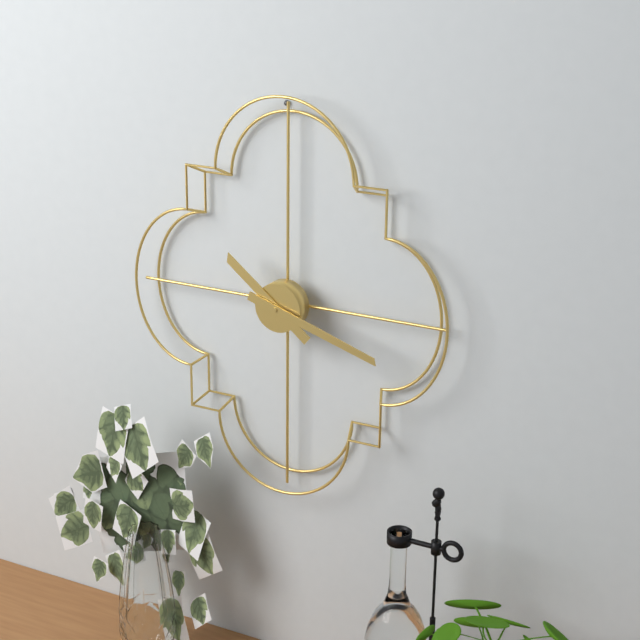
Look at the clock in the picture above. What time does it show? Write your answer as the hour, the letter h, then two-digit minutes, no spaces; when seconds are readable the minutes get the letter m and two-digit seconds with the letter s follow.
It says 10h18
